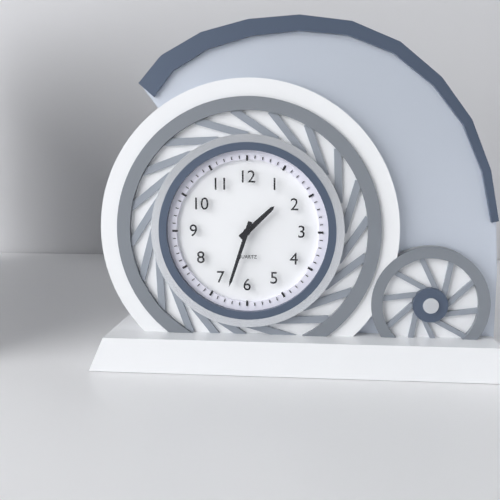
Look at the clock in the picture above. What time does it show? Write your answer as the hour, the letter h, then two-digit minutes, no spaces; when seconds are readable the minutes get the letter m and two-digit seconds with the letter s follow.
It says 1h33
